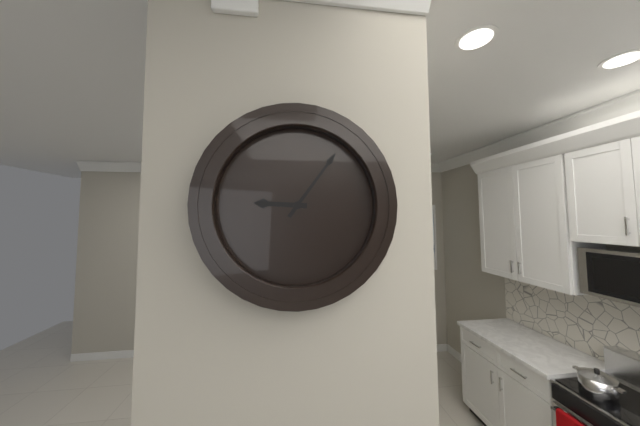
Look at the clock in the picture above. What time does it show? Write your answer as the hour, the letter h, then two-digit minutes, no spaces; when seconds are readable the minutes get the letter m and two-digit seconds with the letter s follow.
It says 9h06
